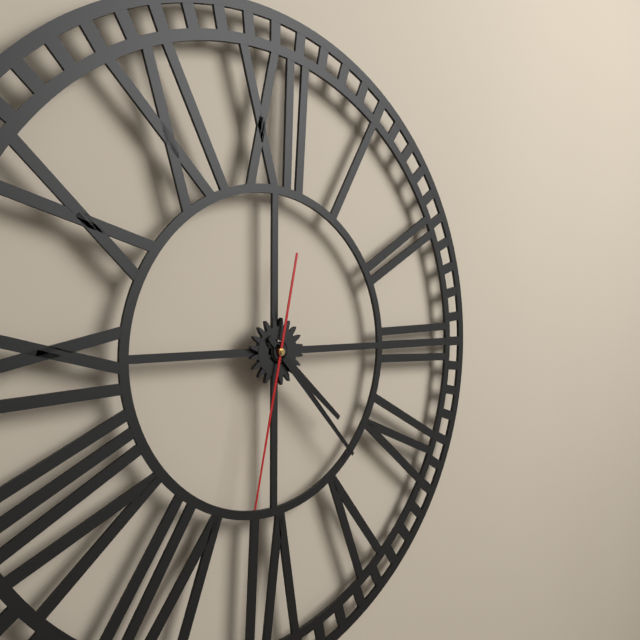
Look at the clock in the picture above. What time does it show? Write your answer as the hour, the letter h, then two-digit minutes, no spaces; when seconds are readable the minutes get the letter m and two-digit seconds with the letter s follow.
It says 4h23m32s
